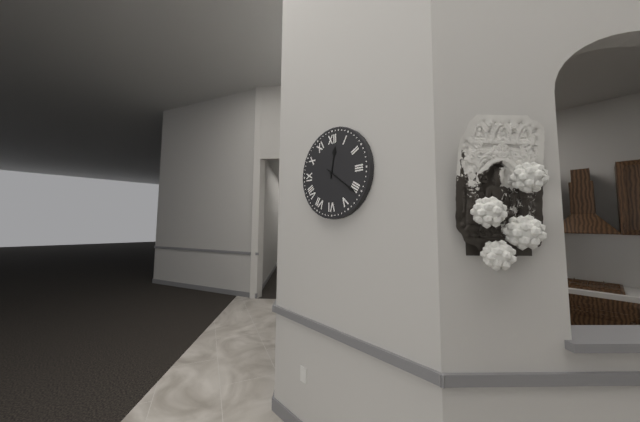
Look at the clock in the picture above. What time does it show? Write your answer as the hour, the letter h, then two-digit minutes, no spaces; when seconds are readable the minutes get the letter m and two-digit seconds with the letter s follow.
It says 12h21
